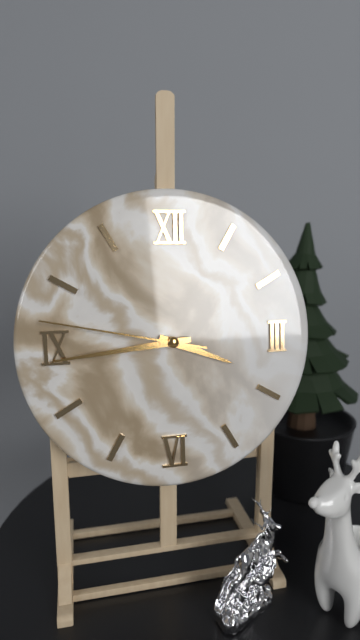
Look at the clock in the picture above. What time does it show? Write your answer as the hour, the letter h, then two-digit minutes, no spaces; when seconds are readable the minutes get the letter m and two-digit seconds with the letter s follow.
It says 3h44m47s
